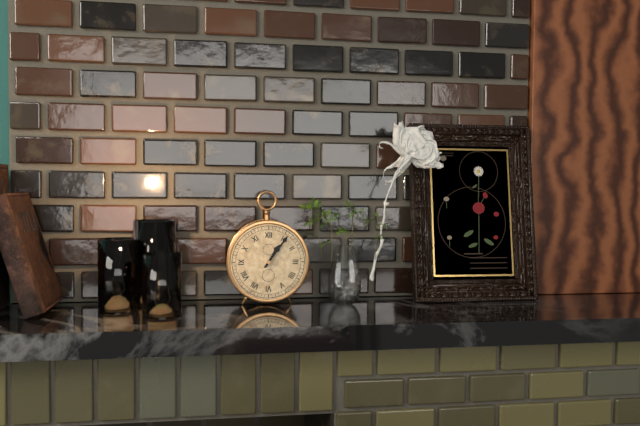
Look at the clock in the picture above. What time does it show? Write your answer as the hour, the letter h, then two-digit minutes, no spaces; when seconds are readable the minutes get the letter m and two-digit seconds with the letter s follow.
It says 1h06
